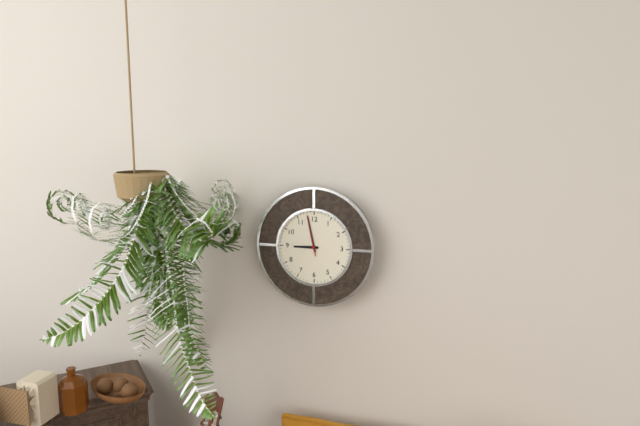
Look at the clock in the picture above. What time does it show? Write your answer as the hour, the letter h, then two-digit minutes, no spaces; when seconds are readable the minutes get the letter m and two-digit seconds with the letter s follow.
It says 8h58
